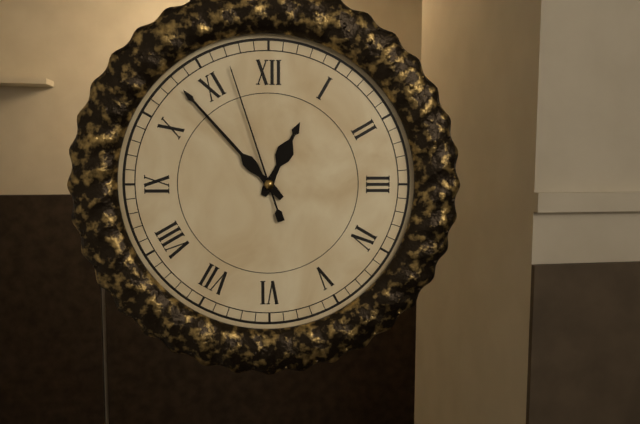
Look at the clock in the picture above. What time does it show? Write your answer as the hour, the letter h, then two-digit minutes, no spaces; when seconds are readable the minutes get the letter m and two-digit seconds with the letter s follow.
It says 12h53m57s
